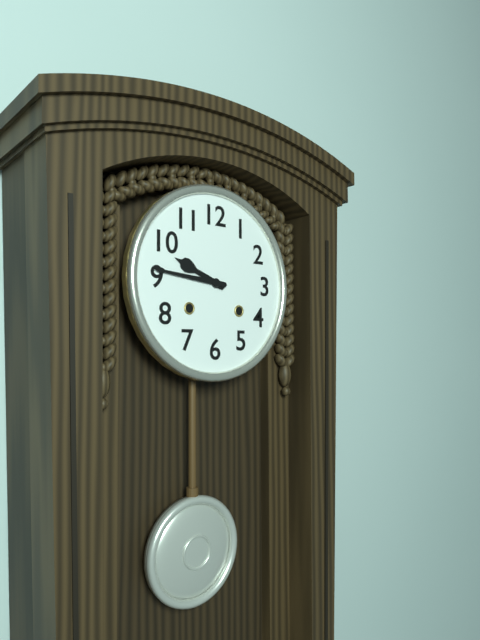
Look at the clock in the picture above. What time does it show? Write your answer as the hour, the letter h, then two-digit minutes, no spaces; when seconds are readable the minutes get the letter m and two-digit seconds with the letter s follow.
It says 9h46
